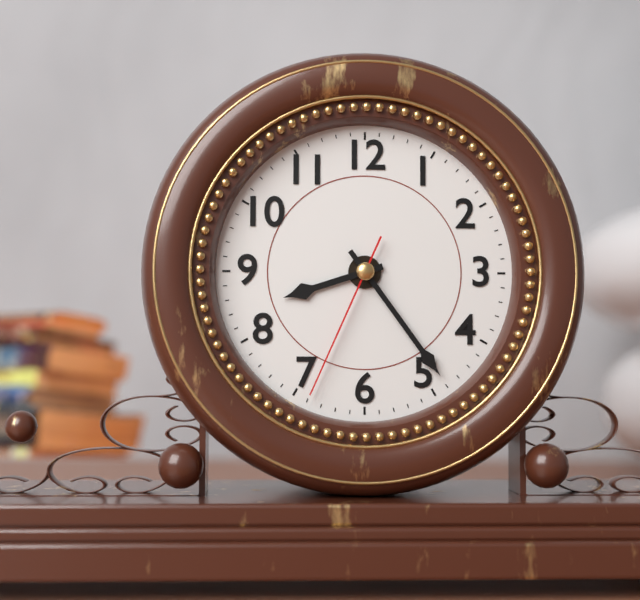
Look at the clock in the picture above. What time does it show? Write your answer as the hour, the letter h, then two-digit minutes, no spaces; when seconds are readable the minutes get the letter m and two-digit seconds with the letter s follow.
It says 8h24m34s
